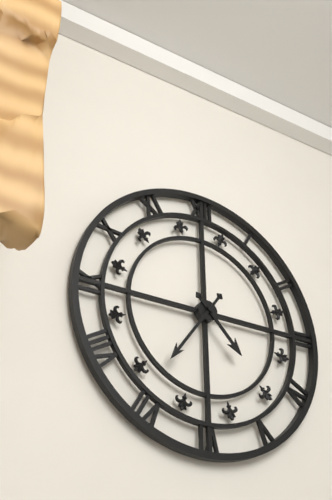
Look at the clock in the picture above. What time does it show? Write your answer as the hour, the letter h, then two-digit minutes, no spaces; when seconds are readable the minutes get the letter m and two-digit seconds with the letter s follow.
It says 4h36
